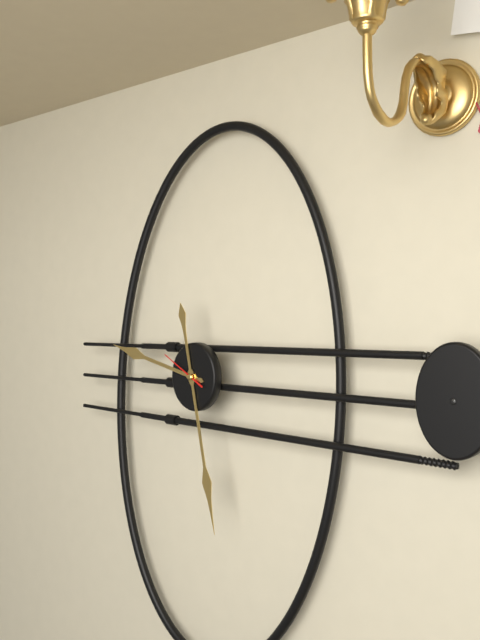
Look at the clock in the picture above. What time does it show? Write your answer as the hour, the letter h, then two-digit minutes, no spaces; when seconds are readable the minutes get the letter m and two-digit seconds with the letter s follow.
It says 9h28
